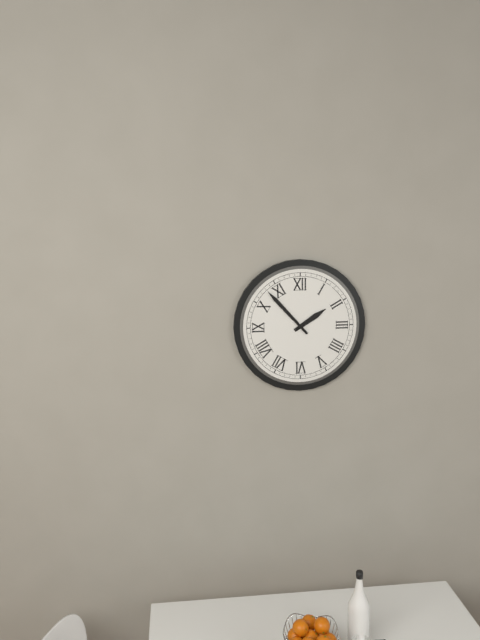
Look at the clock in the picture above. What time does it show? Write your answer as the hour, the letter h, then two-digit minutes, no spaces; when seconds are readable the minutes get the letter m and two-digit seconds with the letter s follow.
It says 1h53
